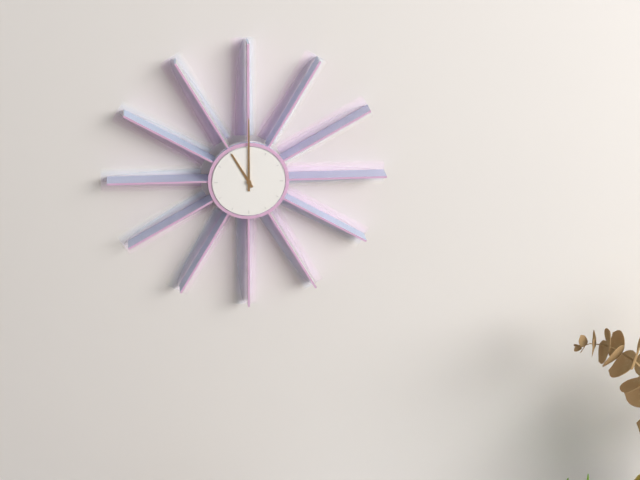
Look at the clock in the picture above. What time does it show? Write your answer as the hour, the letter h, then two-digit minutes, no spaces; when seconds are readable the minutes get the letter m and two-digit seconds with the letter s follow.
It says 11h00
